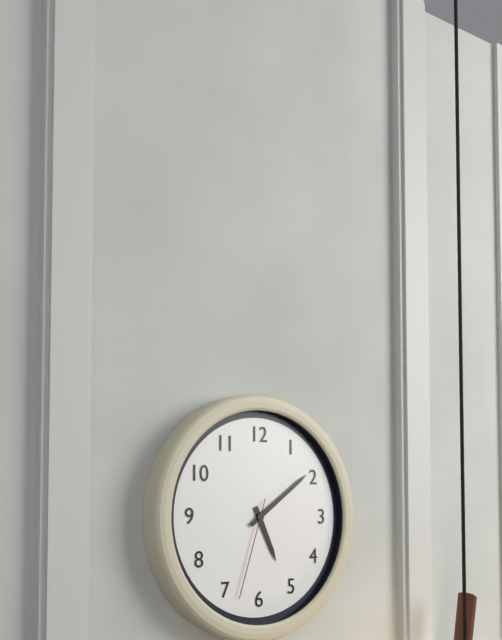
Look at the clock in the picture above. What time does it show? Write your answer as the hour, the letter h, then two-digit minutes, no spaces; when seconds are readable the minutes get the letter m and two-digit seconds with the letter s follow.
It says 5h09m33s
